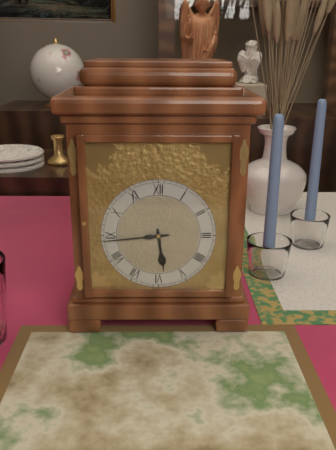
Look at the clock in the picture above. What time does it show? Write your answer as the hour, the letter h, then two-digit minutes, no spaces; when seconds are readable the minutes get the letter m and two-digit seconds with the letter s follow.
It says 5h44
